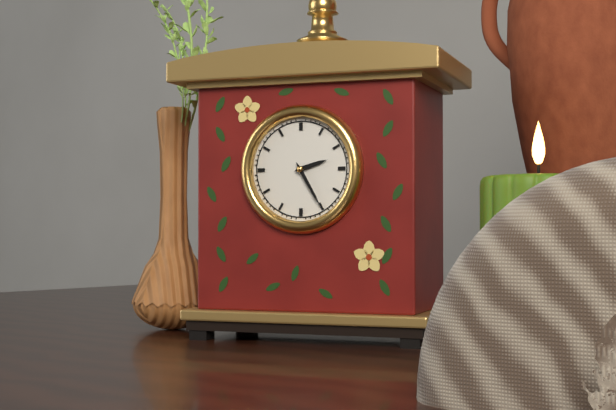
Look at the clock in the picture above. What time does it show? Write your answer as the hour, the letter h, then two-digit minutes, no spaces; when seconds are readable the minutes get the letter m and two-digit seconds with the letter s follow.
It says 2h25
